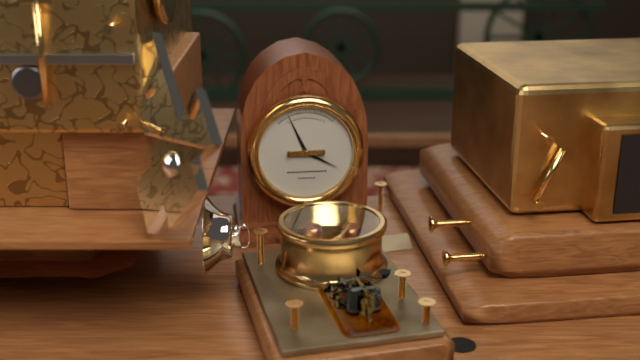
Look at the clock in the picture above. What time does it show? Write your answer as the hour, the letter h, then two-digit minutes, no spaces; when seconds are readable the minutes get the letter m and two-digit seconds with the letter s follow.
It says 3h56
